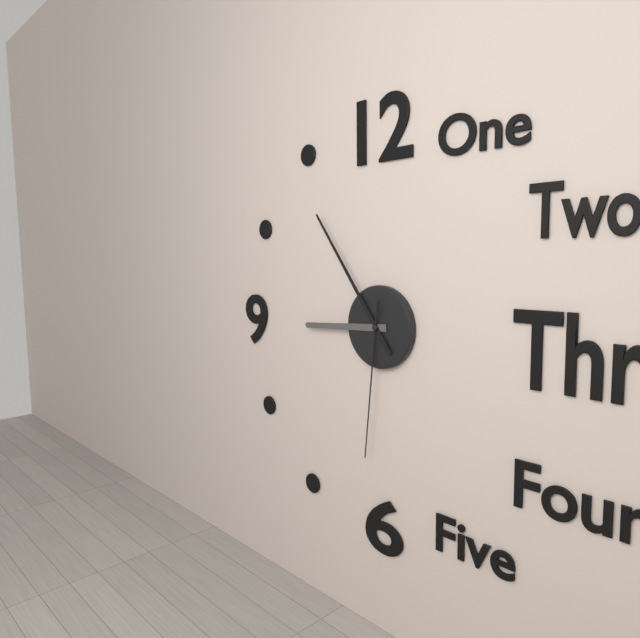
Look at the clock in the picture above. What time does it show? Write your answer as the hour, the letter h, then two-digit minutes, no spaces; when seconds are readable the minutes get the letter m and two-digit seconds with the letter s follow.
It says 8h54m31s
